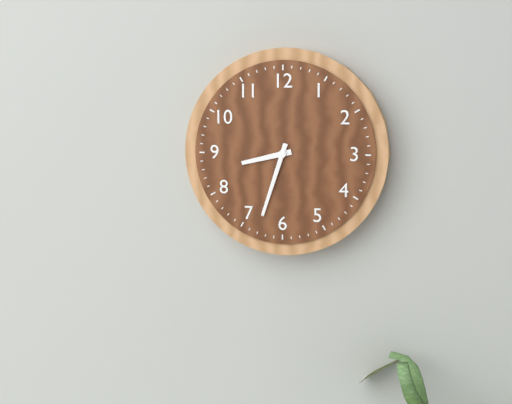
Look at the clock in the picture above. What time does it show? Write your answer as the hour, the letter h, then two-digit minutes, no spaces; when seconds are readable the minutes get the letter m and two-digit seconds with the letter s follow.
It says 8h33
